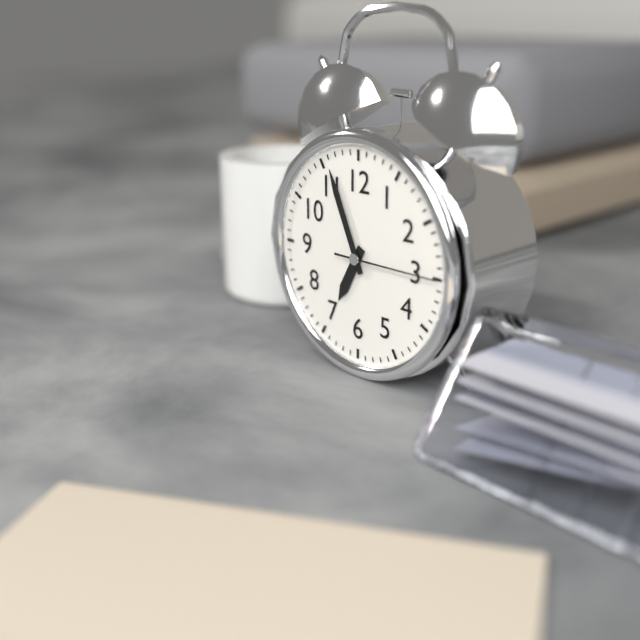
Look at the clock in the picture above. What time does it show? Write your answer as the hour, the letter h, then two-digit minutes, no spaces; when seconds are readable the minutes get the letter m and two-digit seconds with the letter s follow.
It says 6h56m15s
